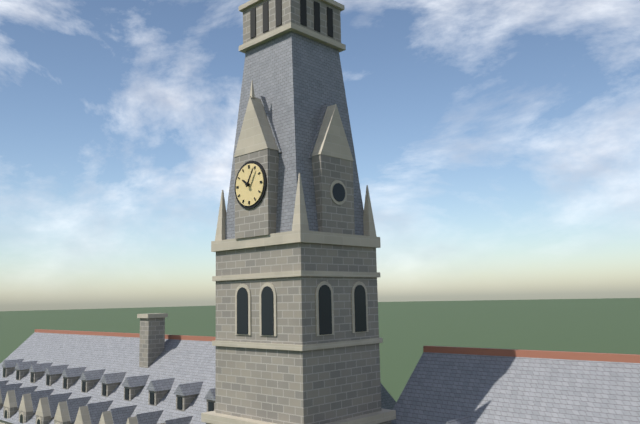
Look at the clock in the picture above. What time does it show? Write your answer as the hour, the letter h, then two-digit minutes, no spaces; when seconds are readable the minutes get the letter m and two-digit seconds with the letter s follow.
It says 10h05
